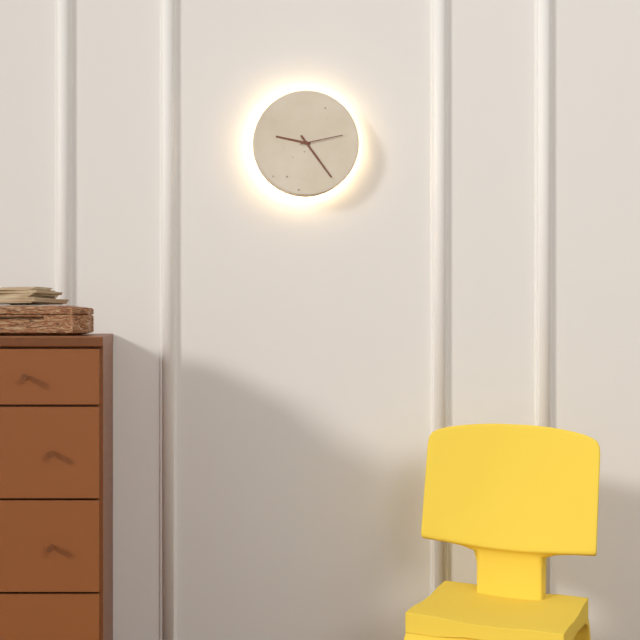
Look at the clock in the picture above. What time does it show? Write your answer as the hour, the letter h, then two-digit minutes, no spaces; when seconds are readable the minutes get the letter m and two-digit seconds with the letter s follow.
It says 9h24
